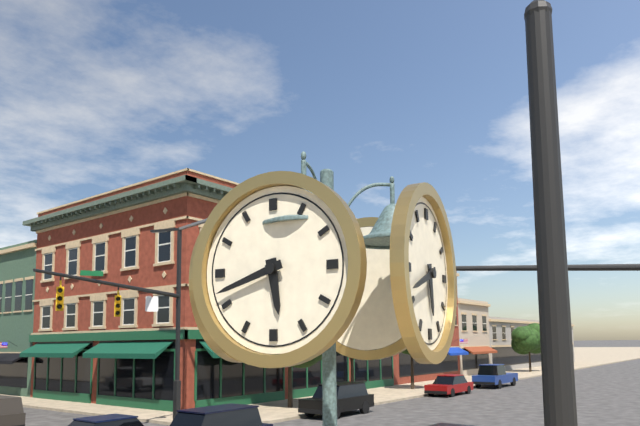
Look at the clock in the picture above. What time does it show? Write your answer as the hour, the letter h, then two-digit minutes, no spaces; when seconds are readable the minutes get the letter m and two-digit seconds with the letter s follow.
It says 5h42
